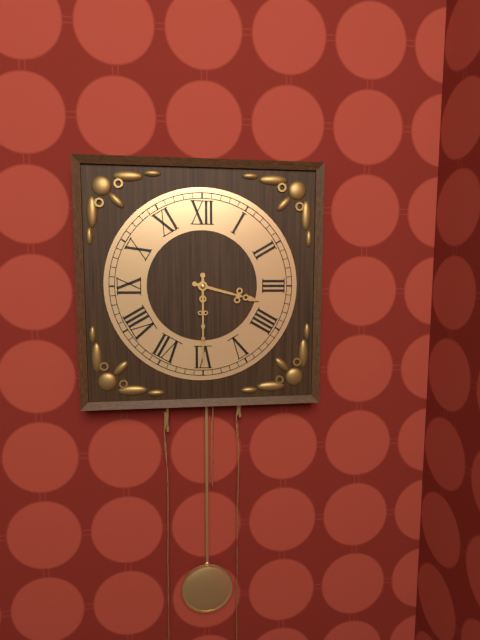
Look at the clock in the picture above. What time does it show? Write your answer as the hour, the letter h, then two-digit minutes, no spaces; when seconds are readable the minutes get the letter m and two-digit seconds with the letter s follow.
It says 3h30
